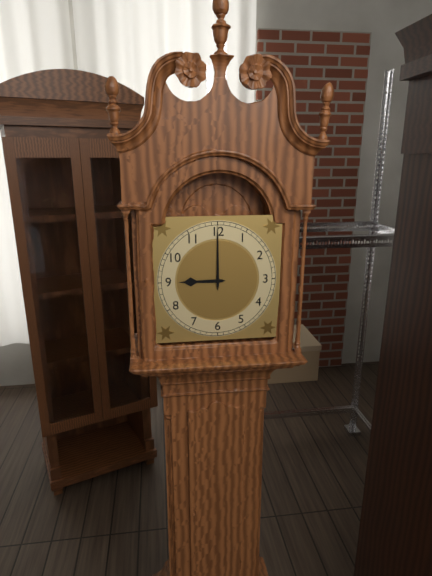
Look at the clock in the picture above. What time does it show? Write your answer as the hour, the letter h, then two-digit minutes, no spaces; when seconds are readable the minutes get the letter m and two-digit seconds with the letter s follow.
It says 9h00
